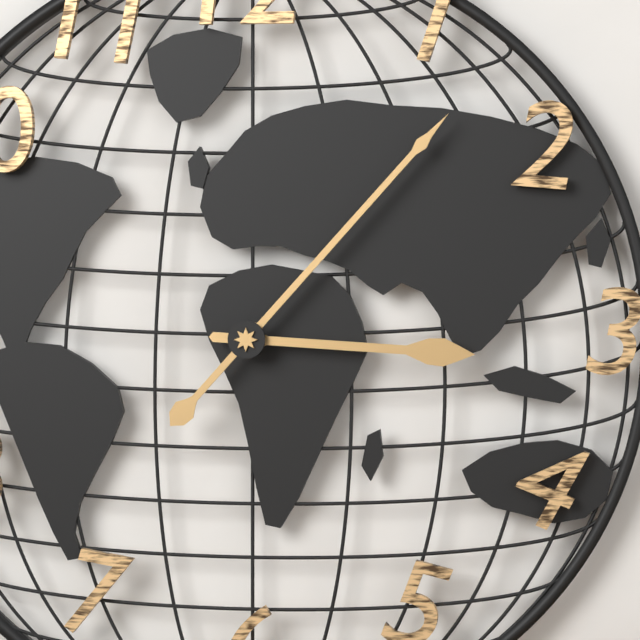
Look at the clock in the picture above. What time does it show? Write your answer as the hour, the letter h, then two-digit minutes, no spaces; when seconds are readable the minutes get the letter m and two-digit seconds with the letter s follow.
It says 3h07
